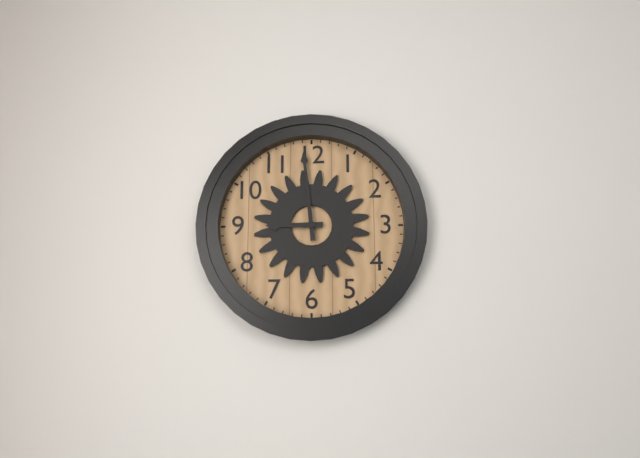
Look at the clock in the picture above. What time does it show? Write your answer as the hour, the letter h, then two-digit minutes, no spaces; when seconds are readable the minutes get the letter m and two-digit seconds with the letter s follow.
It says 8h59
